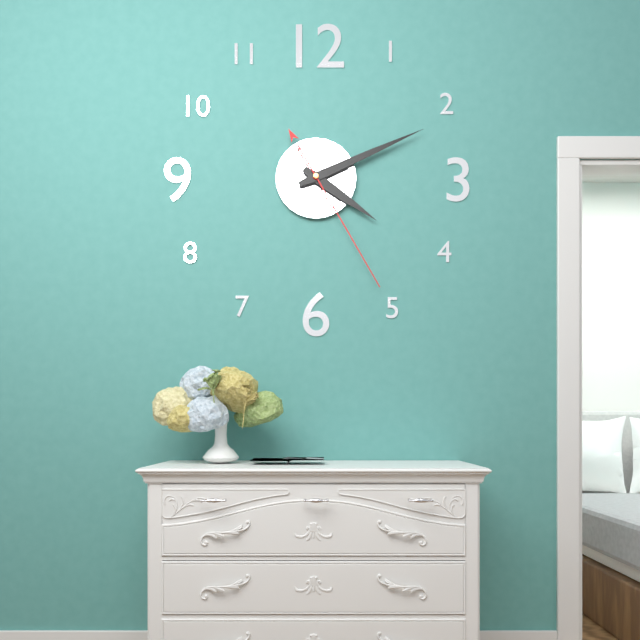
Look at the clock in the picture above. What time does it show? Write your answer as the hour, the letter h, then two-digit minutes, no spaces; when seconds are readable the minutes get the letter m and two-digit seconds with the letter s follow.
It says 4h11m25s
